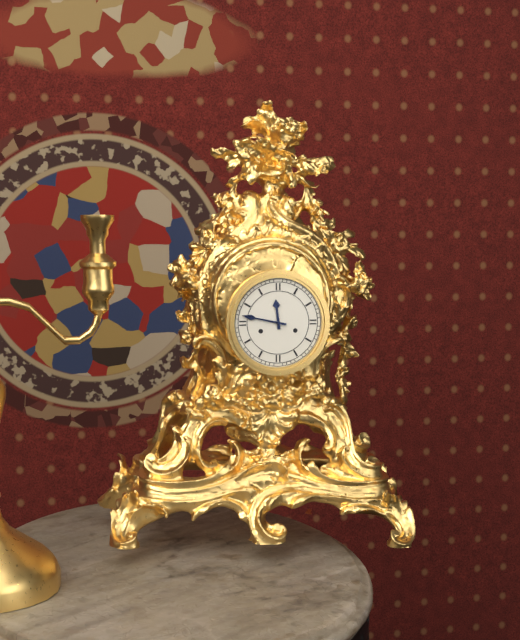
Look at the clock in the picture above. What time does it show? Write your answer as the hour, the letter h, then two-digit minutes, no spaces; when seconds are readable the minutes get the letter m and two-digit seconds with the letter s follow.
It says 11h47
